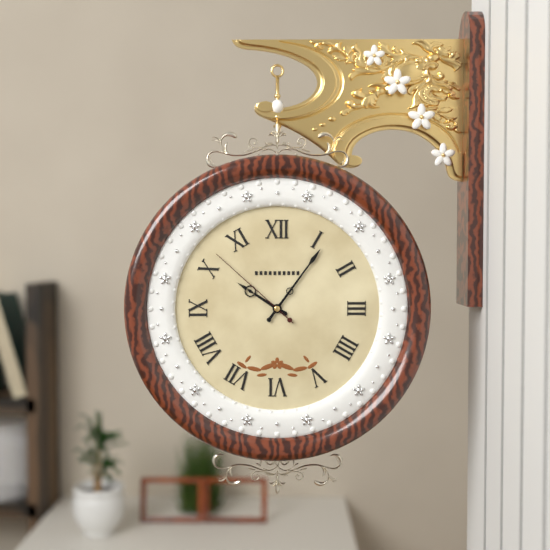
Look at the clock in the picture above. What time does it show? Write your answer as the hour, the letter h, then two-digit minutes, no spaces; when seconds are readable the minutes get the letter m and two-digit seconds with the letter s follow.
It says 10h06m52s
